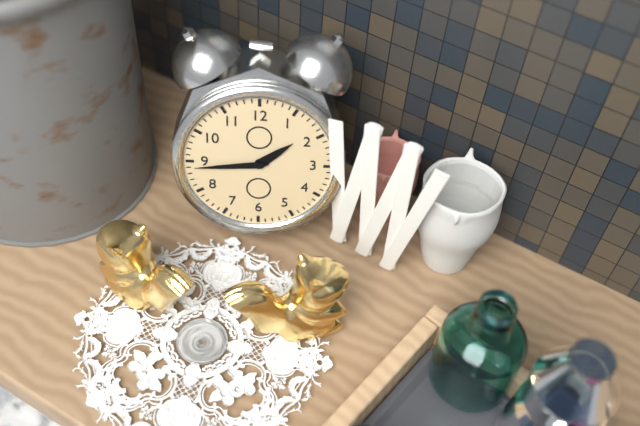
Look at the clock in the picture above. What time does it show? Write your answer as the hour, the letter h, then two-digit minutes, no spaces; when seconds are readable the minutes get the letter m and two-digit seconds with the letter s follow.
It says 1h44
